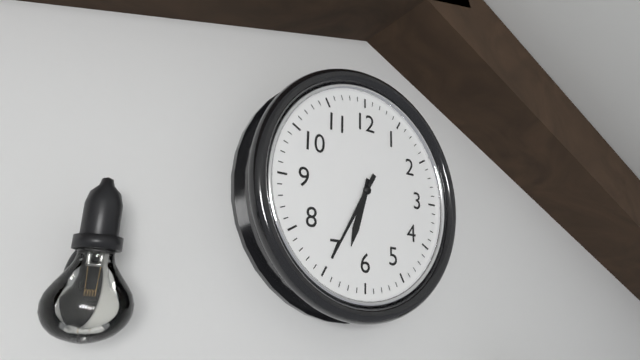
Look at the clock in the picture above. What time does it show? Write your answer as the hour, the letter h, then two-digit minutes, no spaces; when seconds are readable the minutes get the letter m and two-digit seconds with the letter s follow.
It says 6h35
